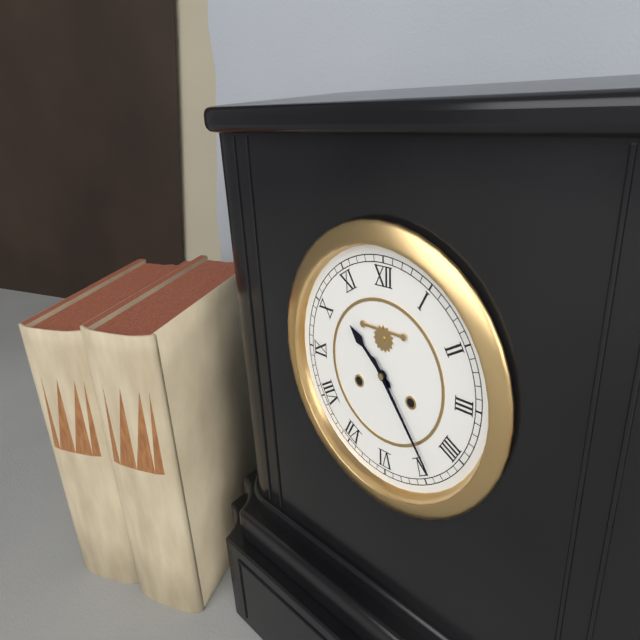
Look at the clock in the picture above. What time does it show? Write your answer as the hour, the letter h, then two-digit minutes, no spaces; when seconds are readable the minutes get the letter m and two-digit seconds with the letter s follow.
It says 10h24
